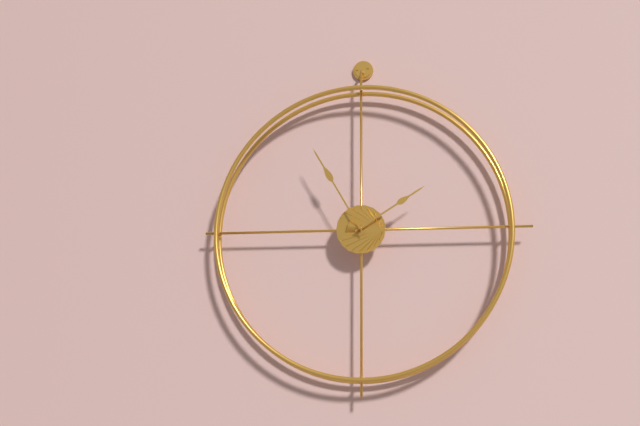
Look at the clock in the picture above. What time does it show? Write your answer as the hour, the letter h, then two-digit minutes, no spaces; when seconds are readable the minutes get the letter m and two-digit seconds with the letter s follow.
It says 1h55
